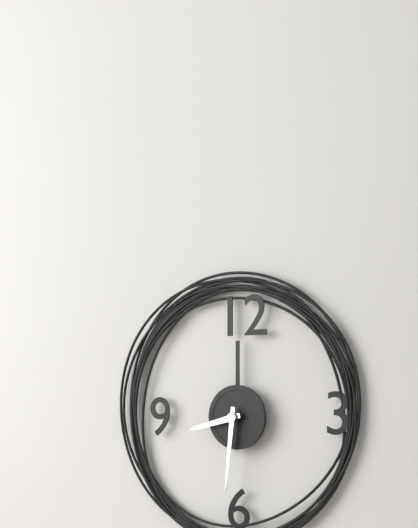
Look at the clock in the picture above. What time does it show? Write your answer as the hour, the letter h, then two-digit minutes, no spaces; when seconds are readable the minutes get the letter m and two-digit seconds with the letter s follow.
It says 8h31
